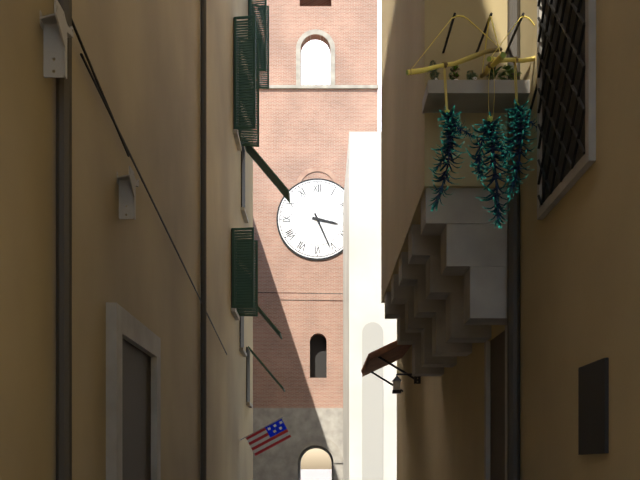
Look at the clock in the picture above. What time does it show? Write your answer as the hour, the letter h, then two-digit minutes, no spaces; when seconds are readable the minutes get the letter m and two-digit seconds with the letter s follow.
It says 3h26
